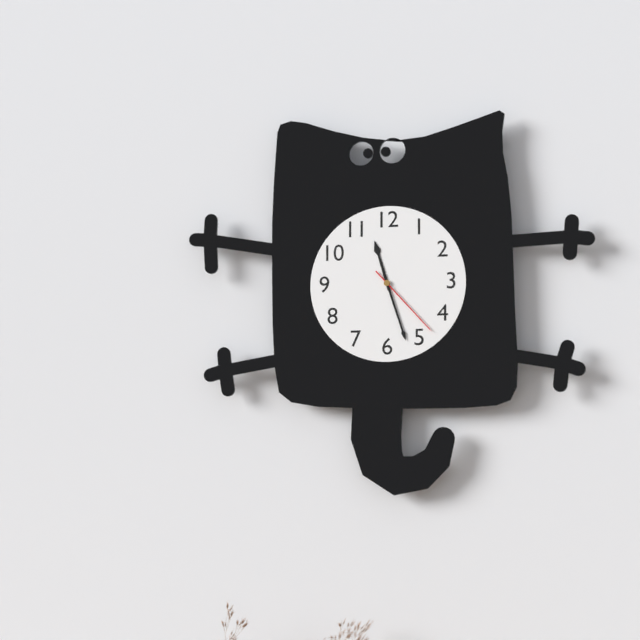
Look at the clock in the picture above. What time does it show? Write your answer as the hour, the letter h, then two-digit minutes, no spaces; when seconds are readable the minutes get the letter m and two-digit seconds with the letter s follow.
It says 11h27m23s
